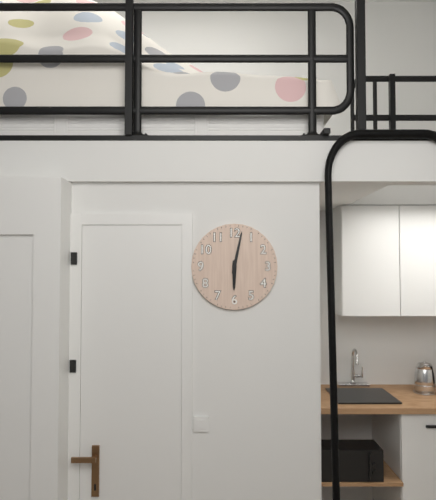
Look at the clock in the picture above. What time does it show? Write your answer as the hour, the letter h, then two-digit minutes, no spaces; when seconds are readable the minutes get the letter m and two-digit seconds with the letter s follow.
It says 6h02
